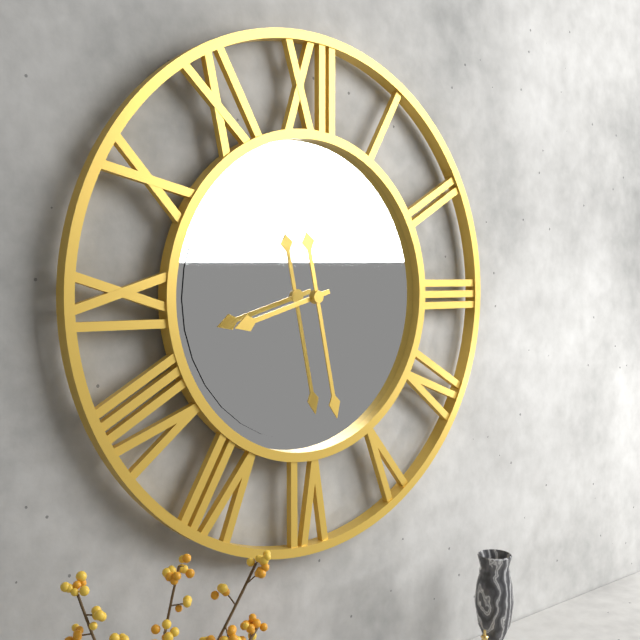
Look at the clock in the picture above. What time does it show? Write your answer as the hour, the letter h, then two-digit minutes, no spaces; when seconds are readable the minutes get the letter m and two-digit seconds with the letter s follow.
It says 8h28
